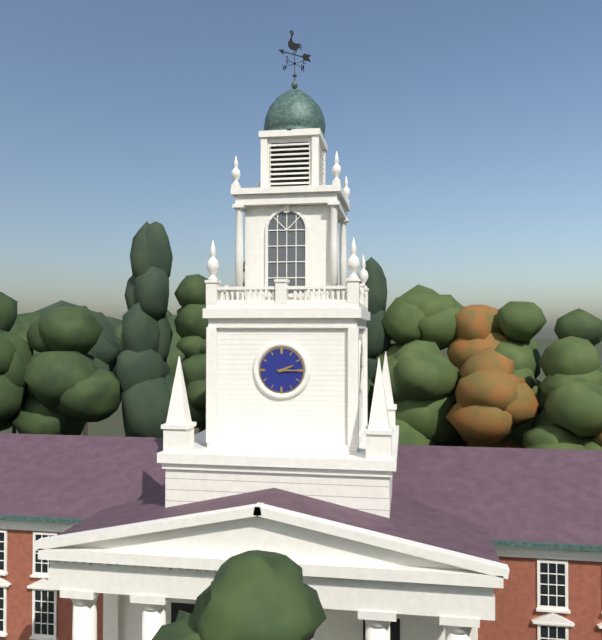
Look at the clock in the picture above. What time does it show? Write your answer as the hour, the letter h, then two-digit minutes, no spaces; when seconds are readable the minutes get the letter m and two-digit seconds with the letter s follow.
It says 2h15
